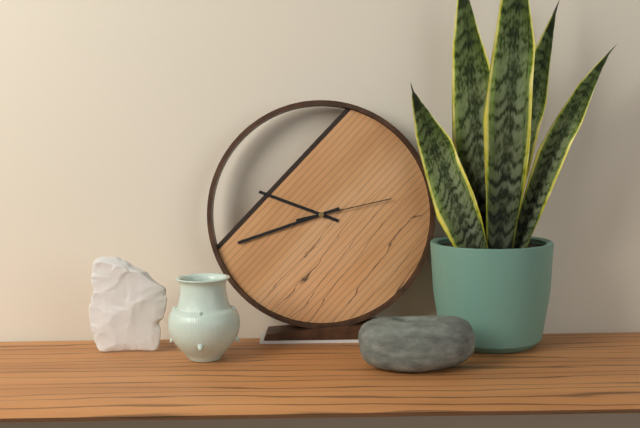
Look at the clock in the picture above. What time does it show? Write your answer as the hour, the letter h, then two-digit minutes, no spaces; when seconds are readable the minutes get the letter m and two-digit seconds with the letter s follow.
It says 9h42m13s
